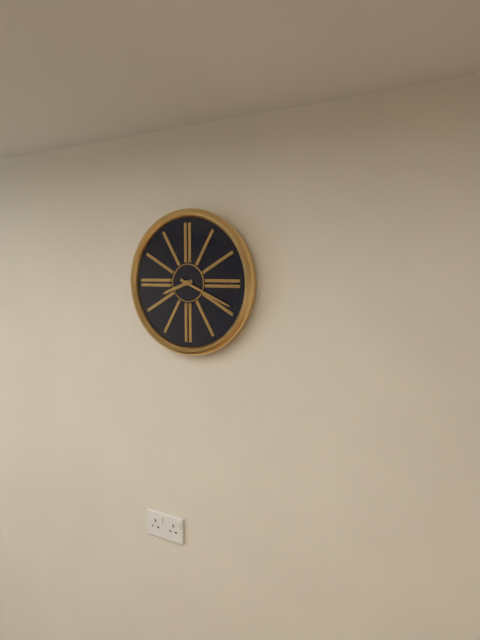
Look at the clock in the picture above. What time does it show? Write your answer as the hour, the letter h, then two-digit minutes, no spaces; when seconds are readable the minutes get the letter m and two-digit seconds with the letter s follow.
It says 8h19
